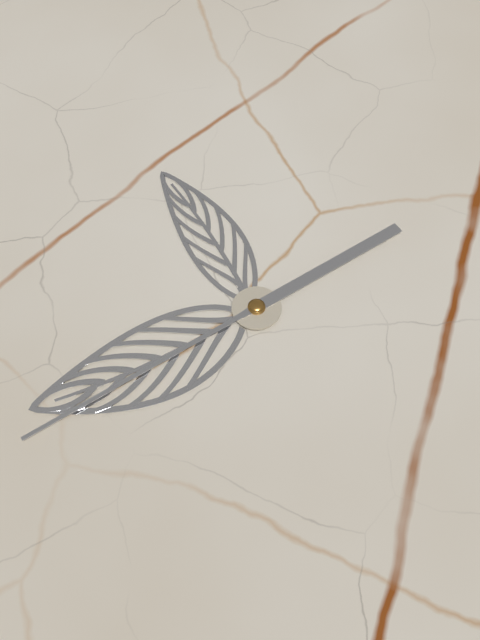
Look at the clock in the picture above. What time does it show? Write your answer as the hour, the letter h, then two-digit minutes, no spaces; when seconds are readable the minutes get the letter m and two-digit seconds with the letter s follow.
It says 4h06m05s
